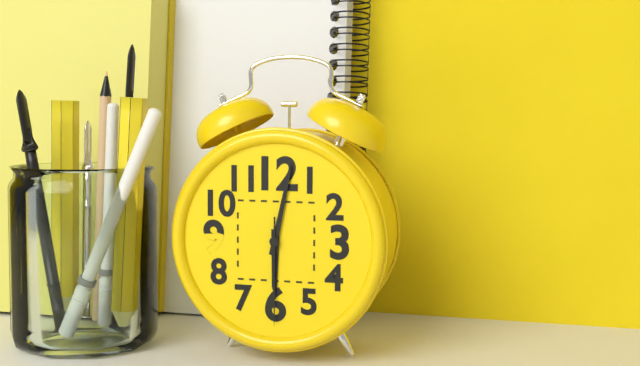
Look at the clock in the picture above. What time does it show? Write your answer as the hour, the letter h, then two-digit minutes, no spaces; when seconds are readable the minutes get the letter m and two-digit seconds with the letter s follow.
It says 6h02m30s
